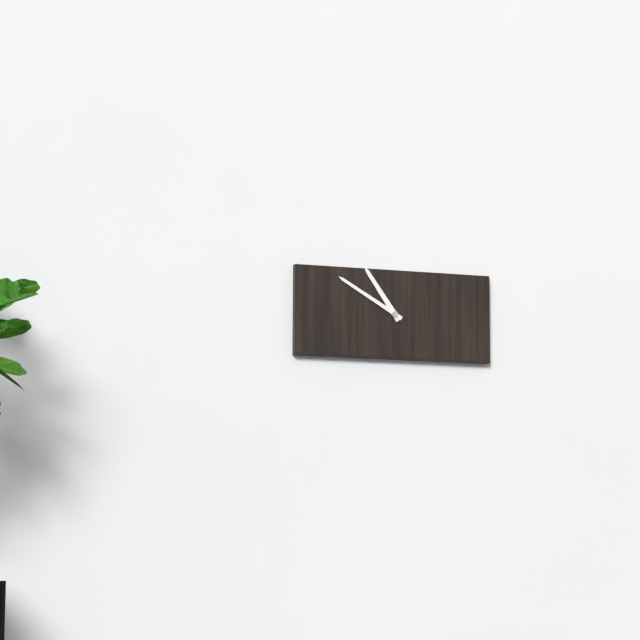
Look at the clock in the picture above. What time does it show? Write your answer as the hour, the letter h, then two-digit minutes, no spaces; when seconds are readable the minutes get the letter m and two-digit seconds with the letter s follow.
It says 10h50
